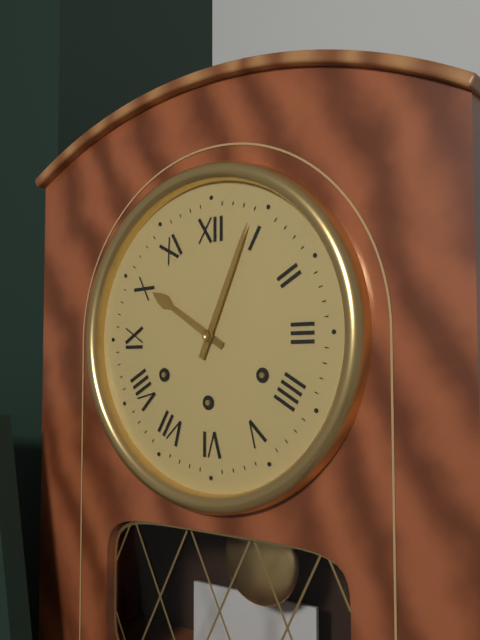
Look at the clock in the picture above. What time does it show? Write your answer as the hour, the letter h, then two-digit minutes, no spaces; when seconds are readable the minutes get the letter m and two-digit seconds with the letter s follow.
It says 10h04
